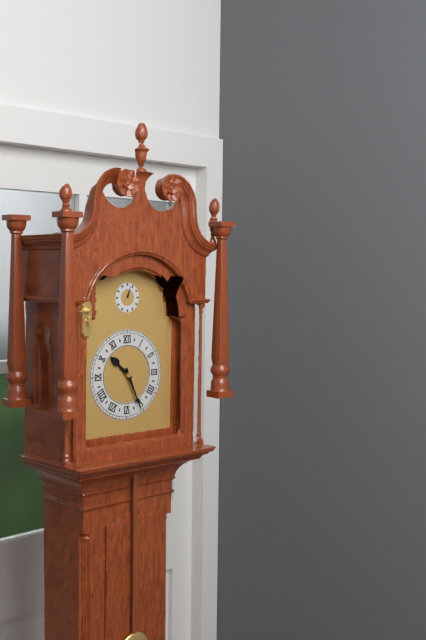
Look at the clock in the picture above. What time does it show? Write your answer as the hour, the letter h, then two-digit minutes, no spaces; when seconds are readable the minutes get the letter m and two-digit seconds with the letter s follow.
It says 10h26
